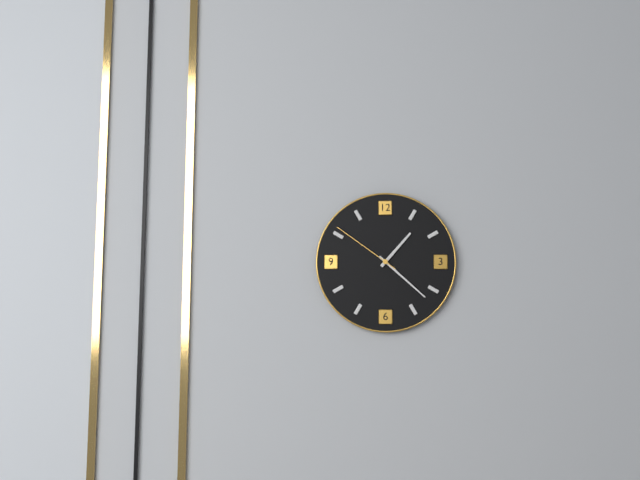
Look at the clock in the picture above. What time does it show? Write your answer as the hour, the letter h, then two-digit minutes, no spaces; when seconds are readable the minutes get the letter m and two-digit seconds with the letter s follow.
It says 1h22m51s
